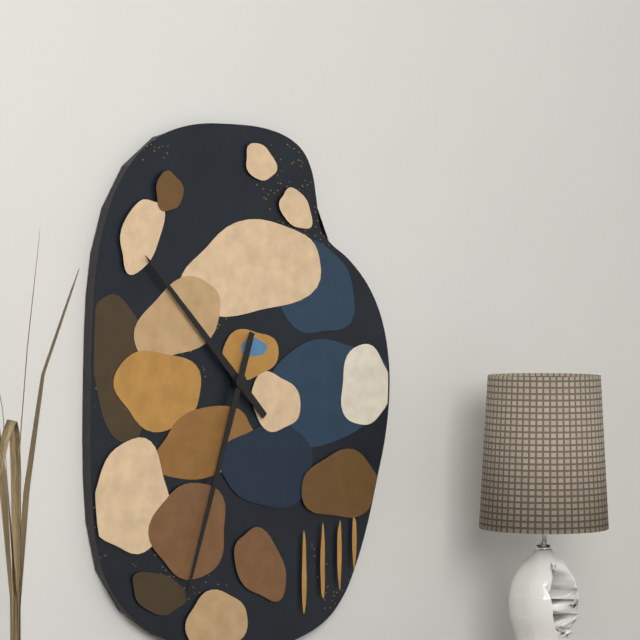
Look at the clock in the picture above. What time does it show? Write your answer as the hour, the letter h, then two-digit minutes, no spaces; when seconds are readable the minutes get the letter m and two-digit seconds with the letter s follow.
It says 10h33
